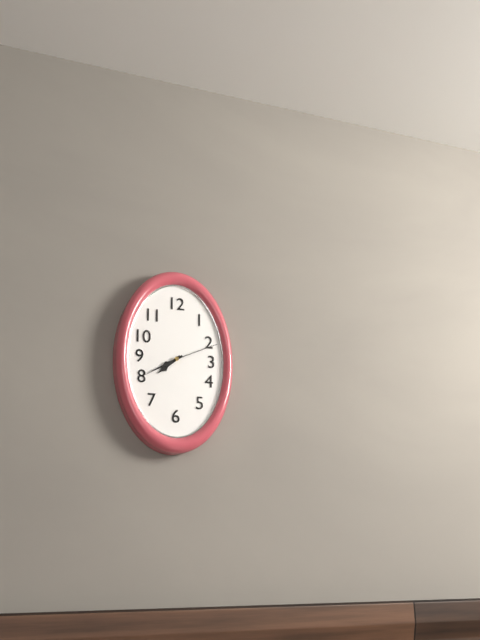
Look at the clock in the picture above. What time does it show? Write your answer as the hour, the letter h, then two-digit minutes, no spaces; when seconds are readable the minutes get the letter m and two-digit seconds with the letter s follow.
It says 7h40m11s
